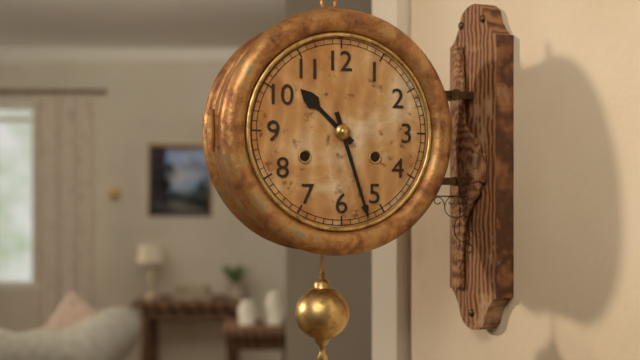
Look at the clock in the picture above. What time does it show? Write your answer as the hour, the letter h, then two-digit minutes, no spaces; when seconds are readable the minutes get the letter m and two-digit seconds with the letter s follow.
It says 10h27
